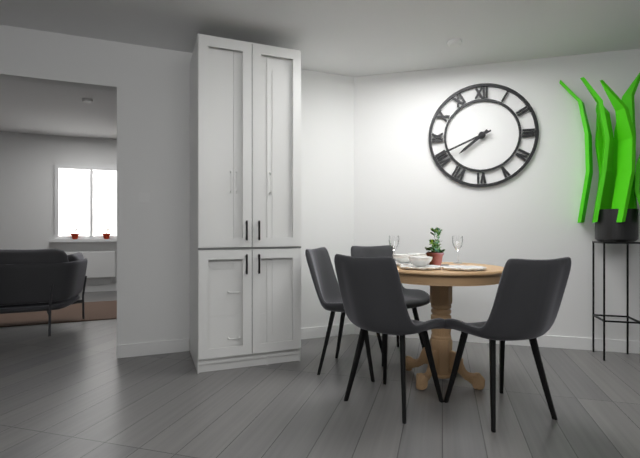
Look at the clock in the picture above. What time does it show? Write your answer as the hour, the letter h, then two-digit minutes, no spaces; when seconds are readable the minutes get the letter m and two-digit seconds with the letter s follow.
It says 7h41
